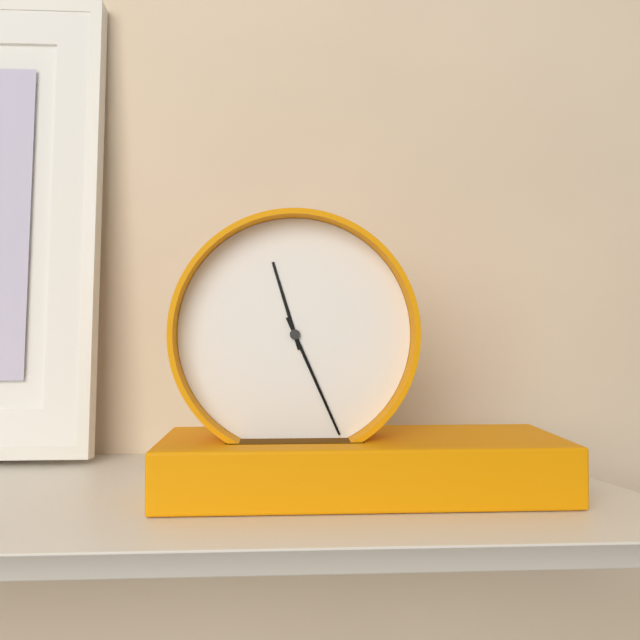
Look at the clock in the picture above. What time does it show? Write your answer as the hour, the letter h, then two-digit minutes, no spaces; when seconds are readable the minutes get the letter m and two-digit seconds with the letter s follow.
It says 11h26
